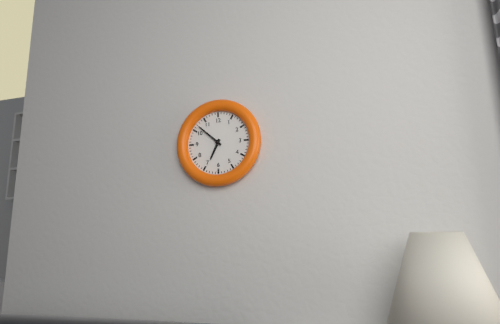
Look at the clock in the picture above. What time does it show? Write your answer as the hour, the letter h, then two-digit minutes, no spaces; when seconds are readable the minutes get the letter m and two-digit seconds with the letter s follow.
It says 6h52
